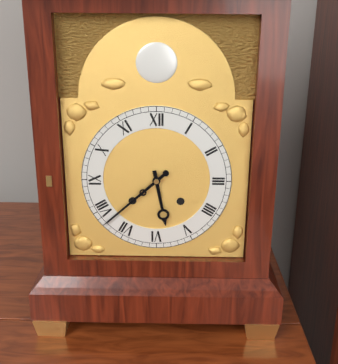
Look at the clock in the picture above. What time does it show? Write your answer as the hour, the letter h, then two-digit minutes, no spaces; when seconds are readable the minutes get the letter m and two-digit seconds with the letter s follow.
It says 5h38
